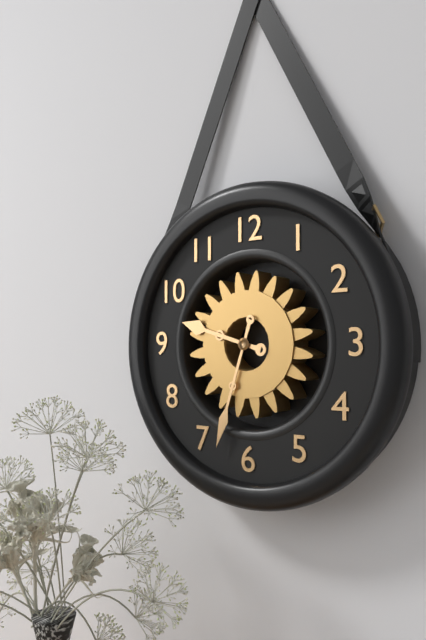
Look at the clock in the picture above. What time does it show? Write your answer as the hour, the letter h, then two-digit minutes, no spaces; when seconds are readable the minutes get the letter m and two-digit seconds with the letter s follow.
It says 9h33
